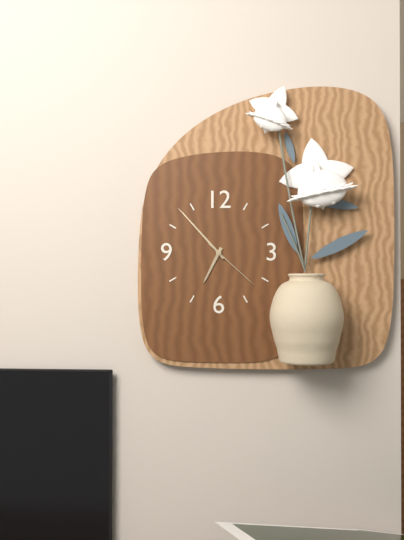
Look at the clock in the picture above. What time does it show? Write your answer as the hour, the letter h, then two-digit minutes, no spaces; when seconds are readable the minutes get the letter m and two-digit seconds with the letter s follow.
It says 6h53m22s
